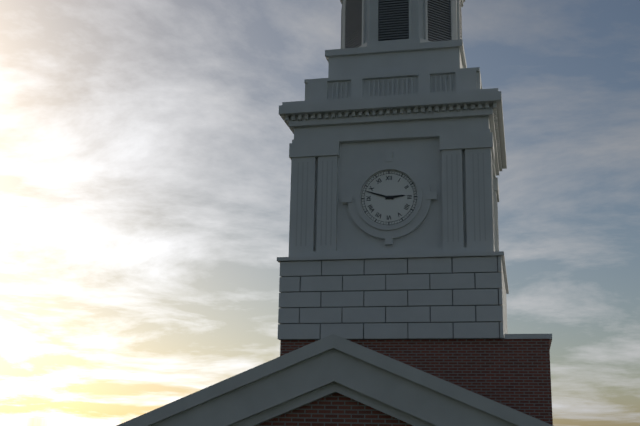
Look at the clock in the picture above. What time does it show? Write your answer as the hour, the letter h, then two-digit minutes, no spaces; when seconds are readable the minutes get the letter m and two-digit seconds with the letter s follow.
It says 2h48
